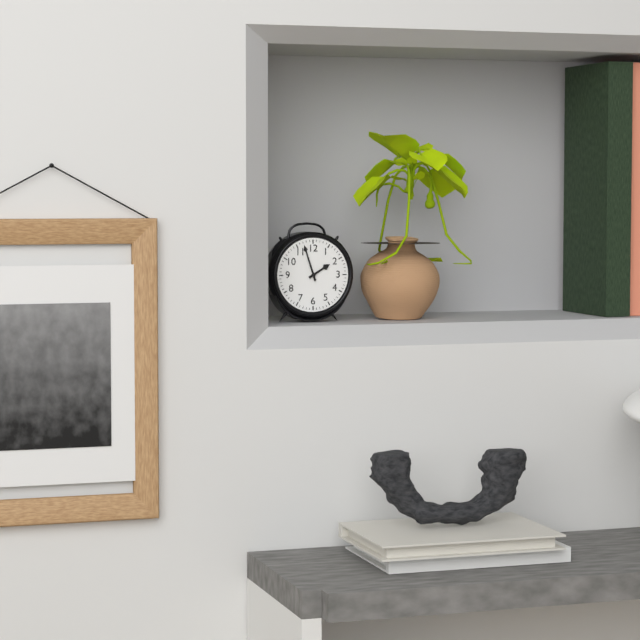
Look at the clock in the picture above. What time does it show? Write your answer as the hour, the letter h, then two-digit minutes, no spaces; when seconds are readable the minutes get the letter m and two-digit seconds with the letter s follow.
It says 1h57
